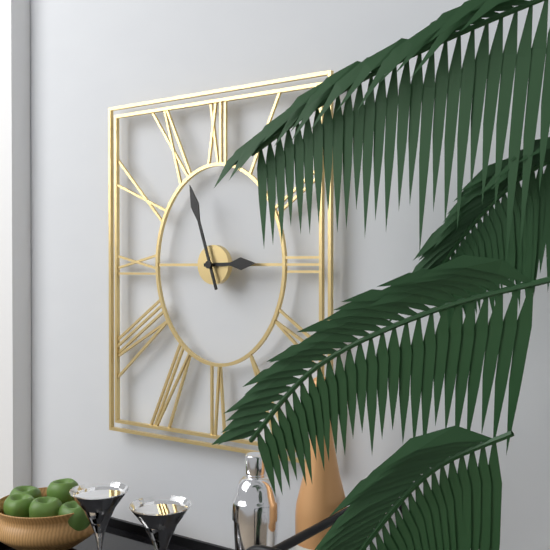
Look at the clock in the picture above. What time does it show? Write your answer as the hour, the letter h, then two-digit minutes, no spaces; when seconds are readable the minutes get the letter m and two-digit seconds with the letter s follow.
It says 2h57
